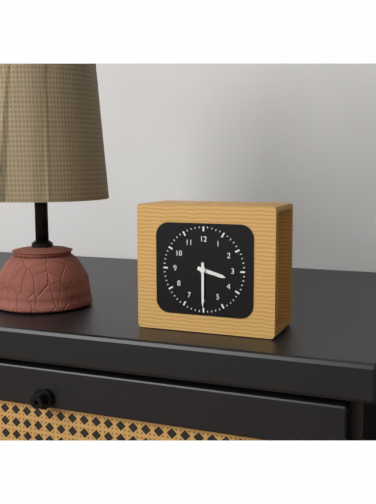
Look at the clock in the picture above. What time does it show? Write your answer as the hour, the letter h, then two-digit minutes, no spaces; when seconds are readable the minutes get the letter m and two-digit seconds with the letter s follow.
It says 3h30
